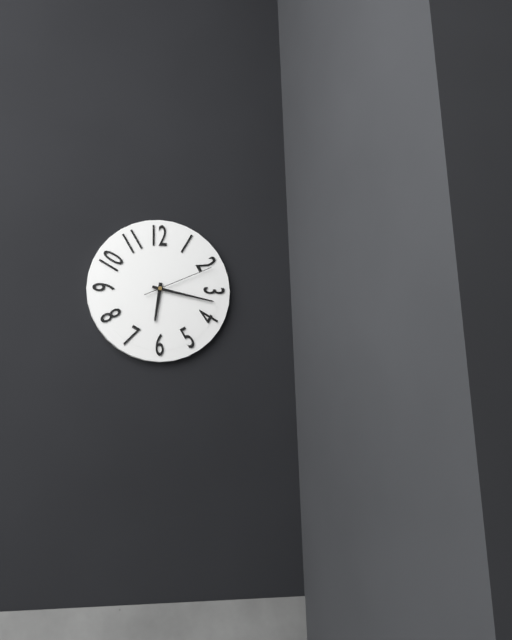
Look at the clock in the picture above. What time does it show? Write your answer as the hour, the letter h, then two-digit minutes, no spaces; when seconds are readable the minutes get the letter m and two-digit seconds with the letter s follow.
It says 6h17m11s
